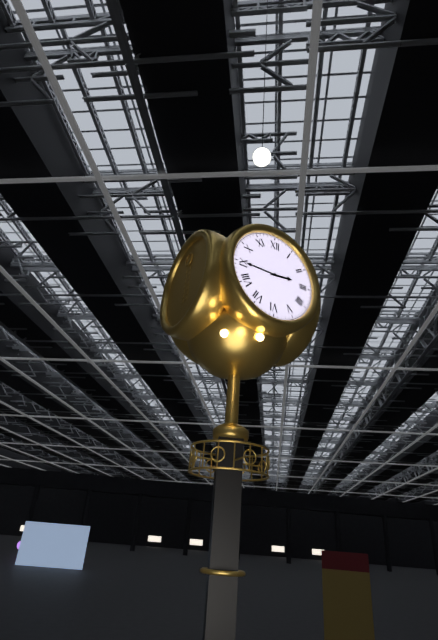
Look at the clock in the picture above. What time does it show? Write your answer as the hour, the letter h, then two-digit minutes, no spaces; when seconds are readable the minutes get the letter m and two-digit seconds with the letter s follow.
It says 2h45
